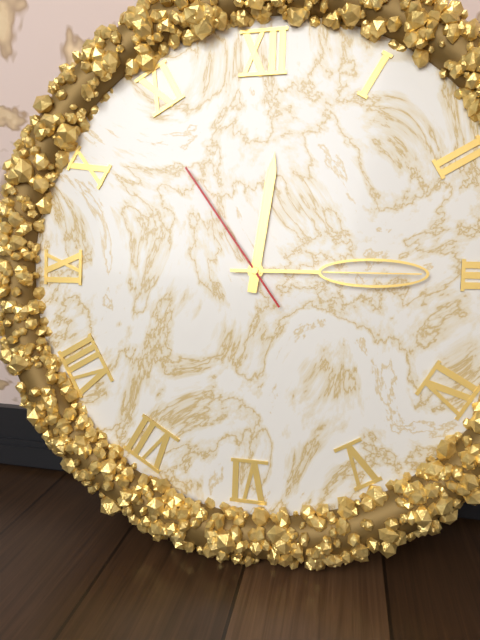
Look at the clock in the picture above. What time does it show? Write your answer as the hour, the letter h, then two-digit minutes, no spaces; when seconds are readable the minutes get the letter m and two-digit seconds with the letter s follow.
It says 12h15m54s
